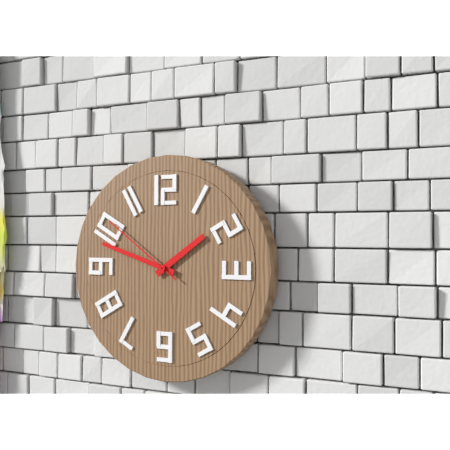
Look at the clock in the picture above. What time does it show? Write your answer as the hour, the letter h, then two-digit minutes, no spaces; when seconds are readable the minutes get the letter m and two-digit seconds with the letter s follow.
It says 1h48m51s
